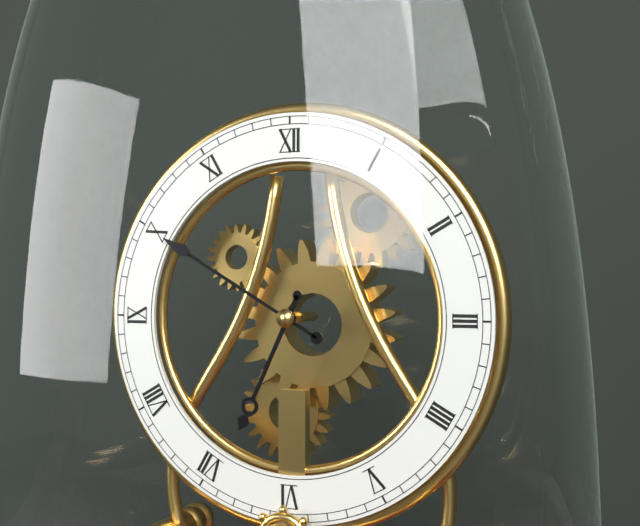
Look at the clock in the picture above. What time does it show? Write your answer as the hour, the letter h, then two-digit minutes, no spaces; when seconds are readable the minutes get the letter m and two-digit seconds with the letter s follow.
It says 6h50
